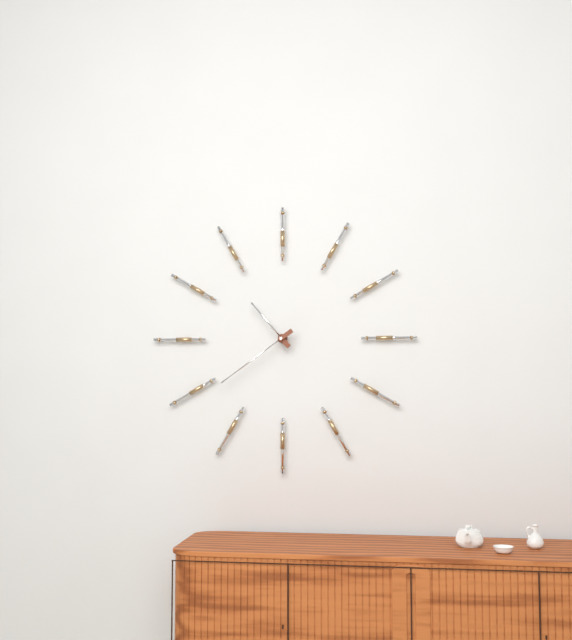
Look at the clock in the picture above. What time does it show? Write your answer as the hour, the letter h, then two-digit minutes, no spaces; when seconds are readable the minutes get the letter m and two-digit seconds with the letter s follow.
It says 10h39
